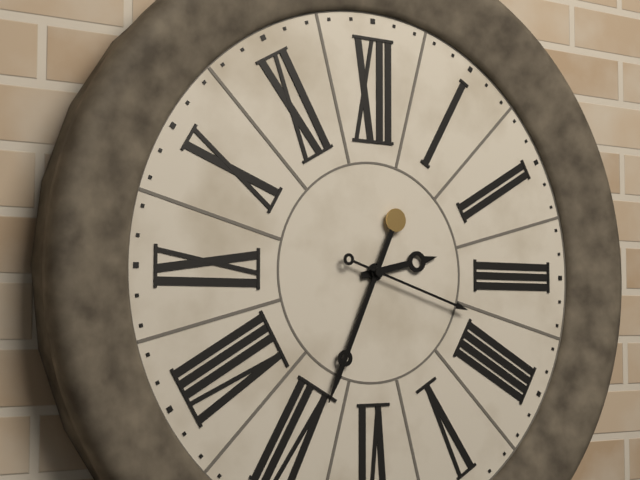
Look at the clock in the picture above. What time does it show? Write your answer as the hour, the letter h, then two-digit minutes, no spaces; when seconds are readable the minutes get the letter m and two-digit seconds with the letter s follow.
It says 2h34m18s
